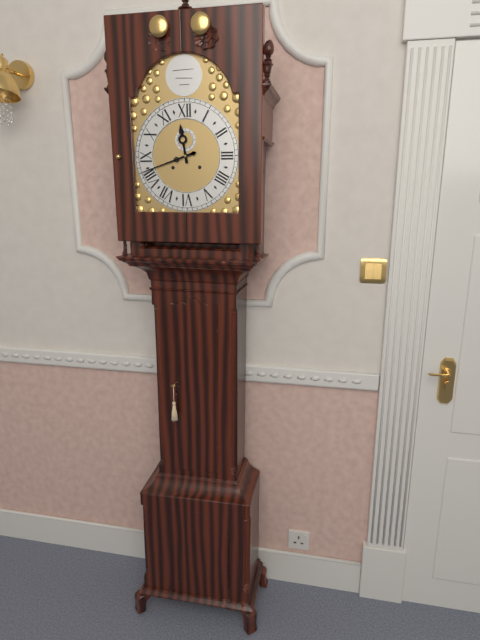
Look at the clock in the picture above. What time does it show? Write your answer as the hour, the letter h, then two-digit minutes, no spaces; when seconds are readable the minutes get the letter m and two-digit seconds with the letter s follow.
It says 11h42
